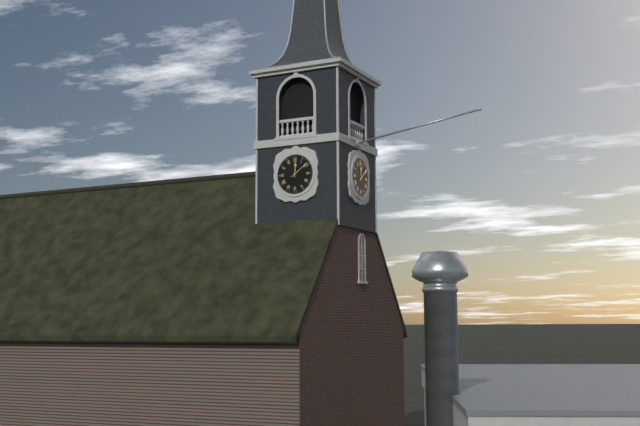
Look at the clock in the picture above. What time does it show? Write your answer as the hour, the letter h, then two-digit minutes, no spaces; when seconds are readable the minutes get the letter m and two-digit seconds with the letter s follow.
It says 12h09
